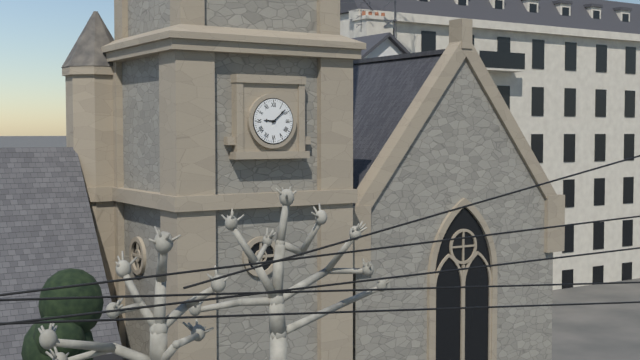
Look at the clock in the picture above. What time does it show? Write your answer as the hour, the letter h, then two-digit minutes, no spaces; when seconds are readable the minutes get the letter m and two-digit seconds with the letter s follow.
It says 9h08
